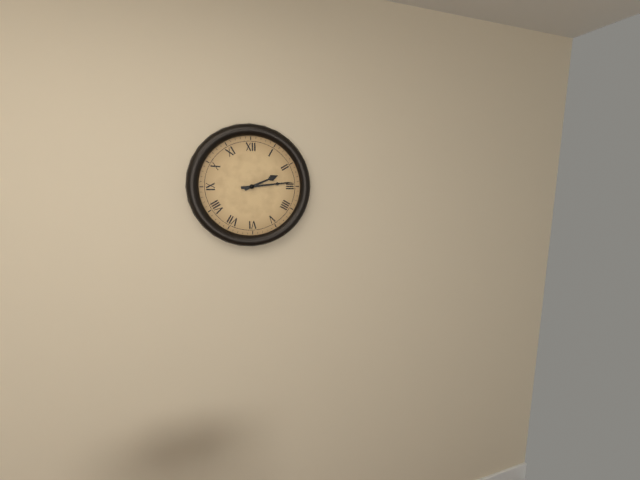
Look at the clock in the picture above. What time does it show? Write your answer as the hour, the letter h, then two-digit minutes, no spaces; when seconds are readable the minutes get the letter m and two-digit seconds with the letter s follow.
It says 2h14
